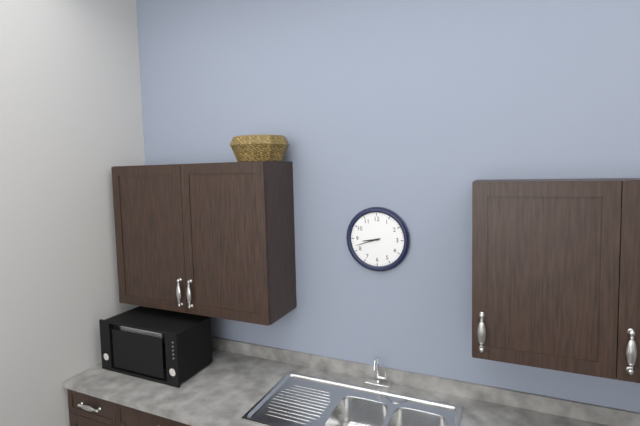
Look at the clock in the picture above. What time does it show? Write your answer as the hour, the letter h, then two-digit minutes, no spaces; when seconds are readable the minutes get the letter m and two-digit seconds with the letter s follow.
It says 8h42
